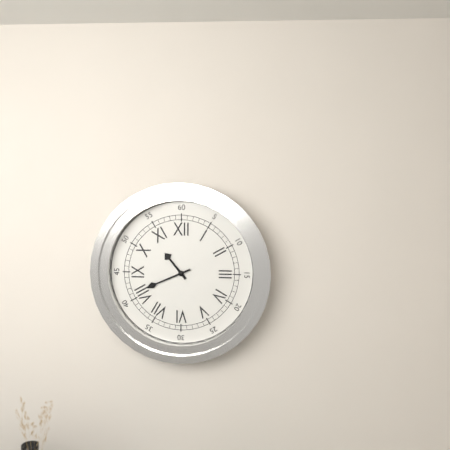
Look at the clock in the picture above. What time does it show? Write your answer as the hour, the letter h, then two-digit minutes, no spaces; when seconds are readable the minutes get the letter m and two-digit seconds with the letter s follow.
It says 10h41
